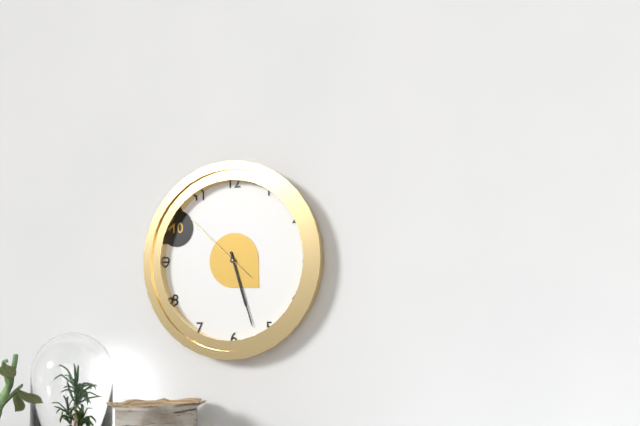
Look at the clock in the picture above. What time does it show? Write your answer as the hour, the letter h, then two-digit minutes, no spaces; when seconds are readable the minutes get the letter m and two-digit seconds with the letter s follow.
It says 5h27m52s
